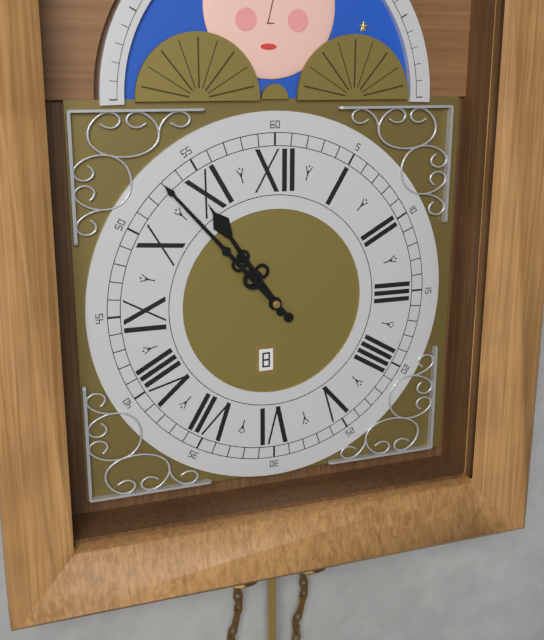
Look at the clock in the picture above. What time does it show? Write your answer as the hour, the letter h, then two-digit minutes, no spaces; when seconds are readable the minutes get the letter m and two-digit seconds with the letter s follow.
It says 10h53
